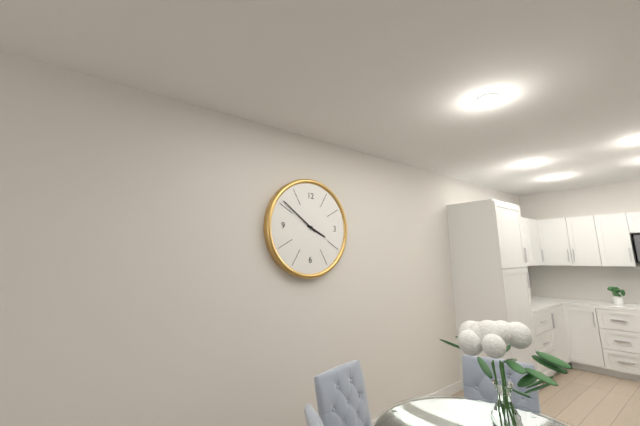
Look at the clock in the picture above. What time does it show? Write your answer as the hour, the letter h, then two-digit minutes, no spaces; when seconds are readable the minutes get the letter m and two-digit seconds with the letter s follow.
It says 3h51
